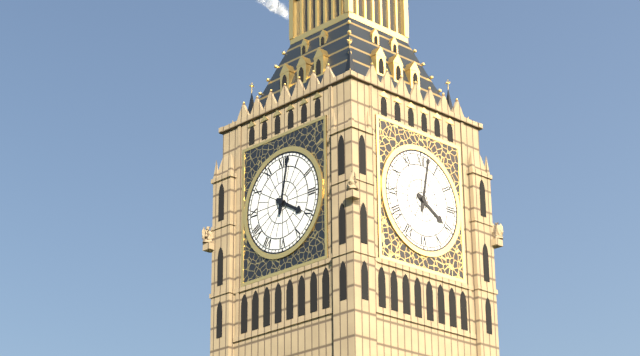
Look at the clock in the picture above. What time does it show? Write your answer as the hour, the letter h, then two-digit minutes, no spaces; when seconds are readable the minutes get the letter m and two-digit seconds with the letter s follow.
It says 4h02
